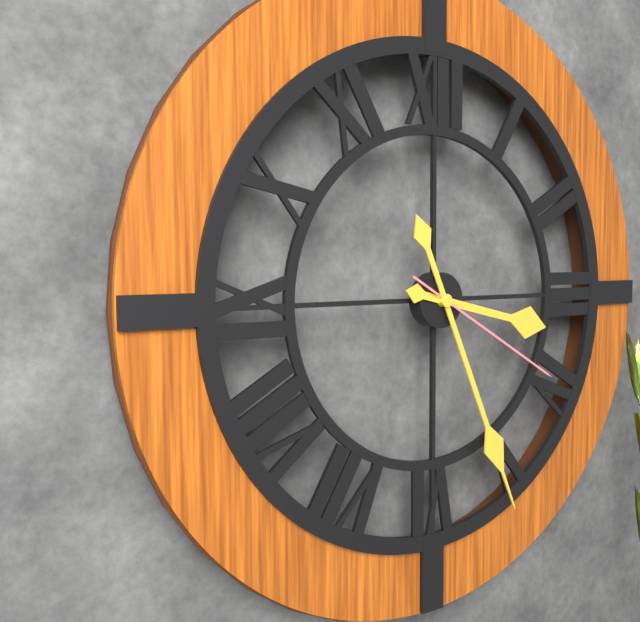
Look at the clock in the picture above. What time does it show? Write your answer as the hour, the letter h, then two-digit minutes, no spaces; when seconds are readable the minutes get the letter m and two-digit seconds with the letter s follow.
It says 3h26m20s
